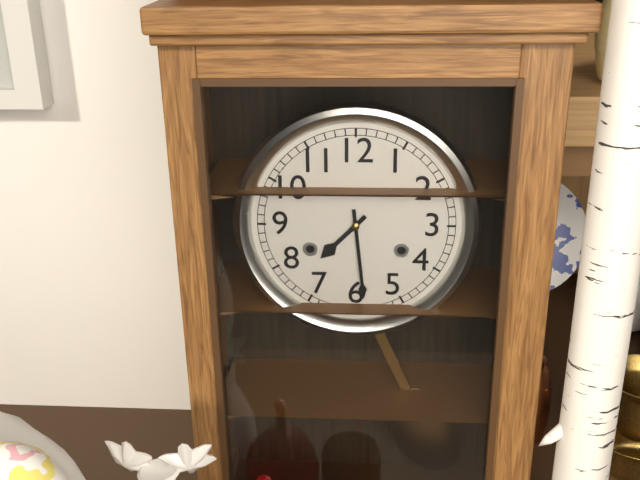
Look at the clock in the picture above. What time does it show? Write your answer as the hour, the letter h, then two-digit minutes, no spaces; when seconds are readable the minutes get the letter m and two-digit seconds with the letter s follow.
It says 7h29
